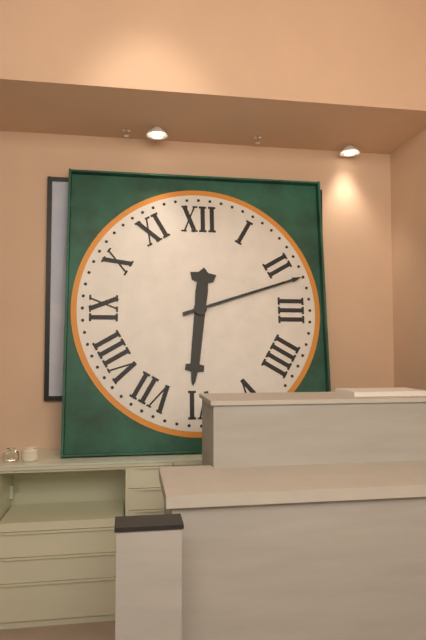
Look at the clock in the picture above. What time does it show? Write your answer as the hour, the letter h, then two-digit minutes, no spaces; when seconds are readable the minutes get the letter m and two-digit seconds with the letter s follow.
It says 6h12
